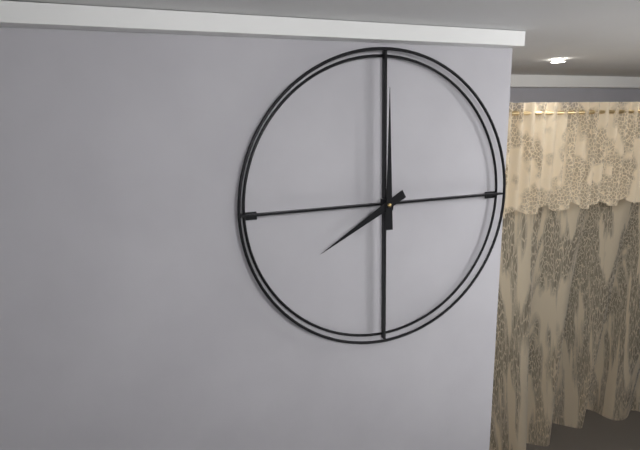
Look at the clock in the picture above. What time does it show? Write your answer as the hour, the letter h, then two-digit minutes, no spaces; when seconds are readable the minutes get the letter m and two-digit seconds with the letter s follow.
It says 8h00
